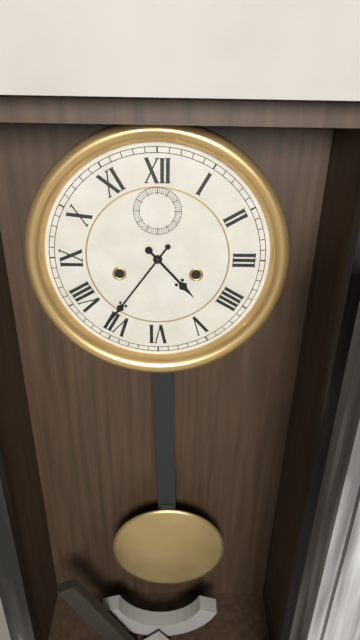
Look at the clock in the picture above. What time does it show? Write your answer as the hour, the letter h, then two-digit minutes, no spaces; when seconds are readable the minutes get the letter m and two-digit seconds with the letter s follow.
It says 4h36
